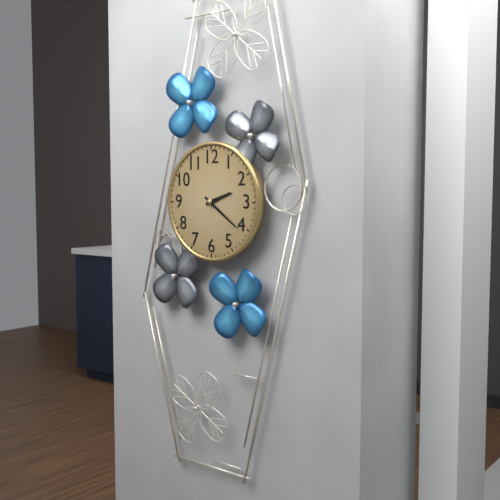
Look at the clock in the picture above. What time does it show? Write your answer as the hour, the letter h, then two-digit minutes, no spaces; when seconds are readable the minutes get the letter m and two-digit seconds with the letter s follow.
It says 2h21
